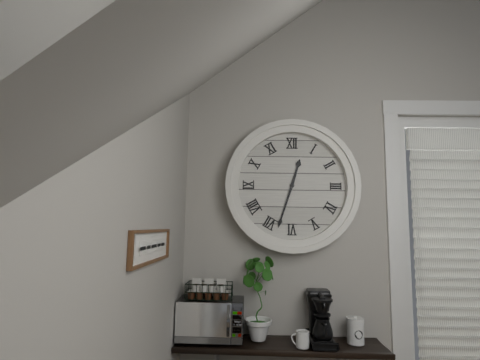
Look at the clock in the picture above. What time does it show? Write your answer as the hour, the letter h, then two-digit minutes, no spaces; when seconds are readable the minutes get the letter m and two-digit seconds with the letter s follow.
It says 12h33
